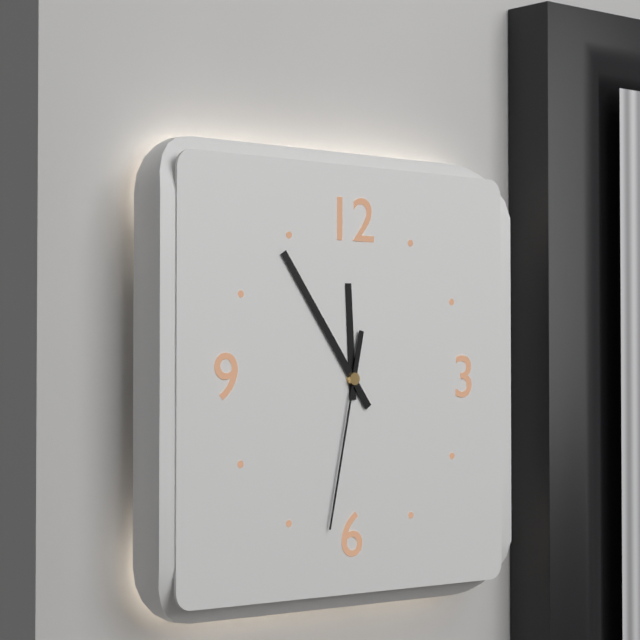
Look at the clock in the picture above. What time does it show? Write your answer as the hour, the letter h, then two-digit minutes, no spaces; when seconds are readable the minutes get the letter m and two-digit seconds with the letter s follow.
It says 11h54m32s
